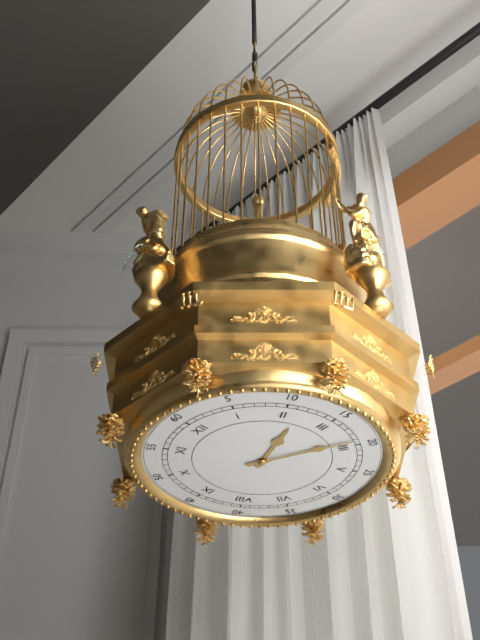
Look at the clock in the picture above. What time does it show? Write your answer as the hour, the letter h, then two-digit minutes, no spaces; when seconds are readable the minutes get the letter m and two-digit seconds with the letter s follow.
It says 2h19
